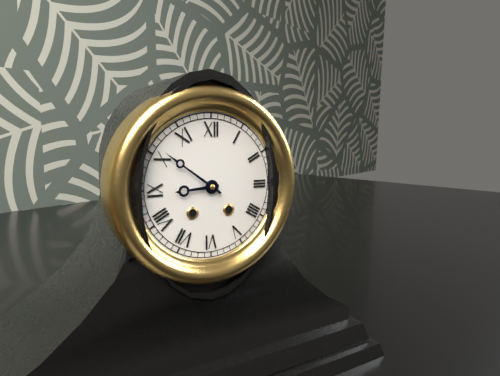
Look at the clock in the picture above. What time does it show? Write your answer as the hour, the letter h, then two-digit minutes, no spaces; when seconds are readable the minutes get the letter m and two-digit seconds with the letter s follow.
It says 8h51
